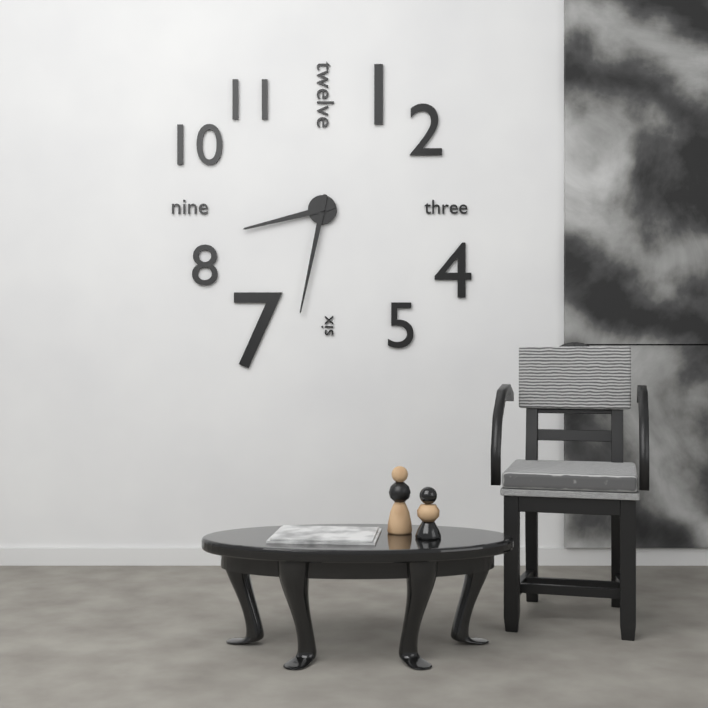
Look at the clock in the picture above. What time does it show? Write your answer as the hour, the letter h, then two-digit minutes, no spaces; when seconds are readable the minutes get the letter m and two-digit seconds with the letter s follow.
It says 8h32
